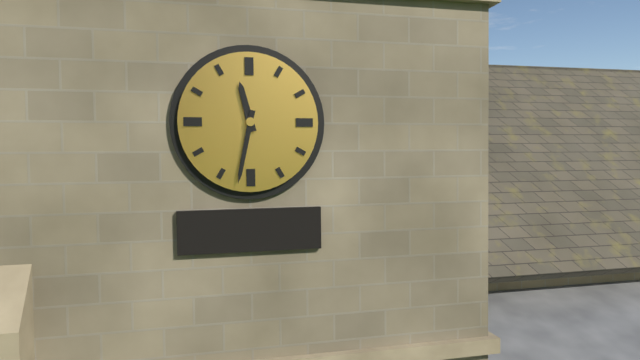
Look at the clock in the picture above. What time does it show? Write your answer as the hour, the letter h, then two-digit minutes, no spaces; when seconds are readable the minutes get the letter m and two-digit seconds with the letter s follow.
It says 11h32
